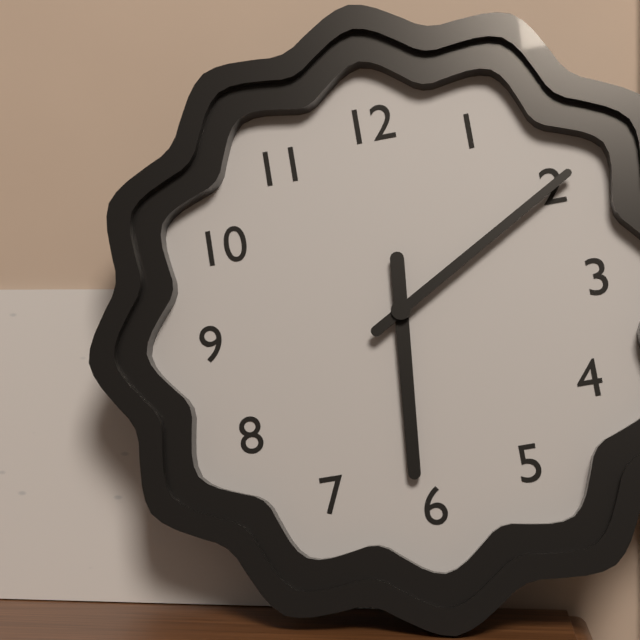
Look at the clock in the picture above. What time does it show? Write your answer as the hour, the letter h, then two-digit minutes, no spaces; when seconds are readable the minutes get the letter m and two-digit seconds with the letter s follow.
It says 6h10
